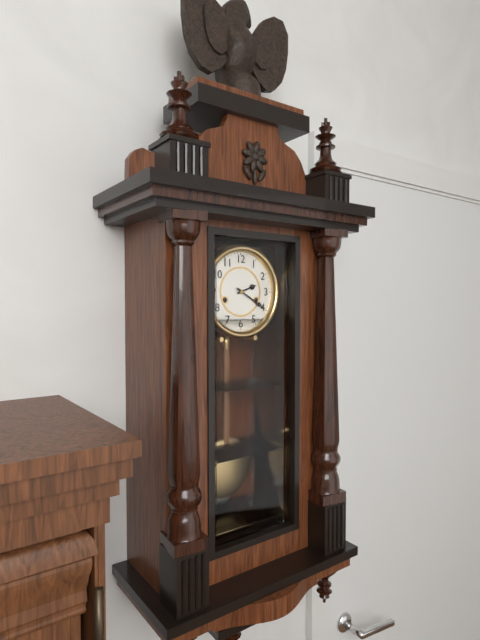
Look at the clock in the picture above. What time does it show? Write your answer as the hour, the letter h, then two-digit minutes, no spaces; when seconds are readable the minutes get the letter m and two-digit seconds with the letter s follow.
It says 2h20
